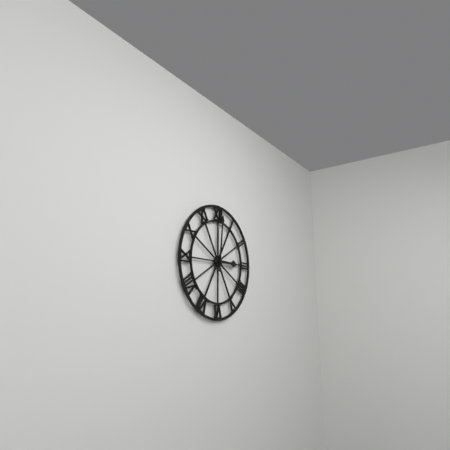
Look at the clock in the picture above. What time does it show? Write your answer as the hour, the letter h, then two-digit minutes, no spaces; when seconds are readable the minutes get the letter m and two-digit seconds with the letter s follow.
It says 3h01
